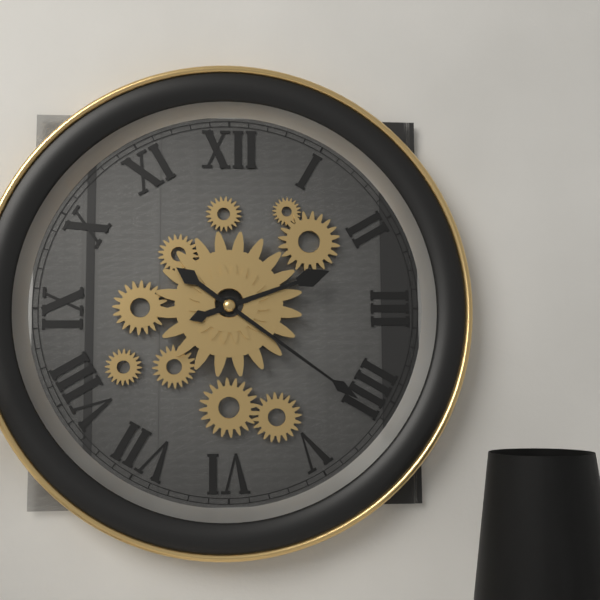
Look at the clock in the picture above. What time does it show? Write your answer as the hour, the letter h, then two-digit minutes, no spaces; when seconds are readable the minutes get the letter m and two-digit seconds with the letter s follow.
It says 2h21
